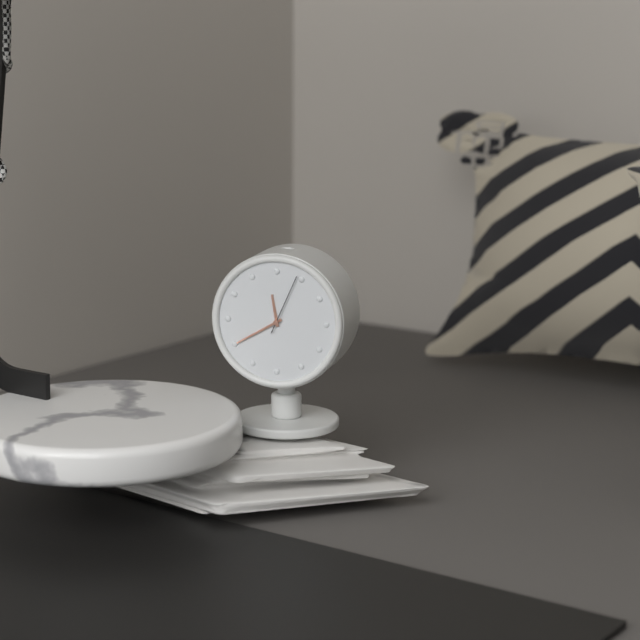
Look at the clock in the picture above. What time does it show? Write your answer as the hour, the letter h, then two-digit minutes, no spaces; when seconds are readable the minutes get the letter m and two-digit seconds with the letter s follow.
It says 11h40m04s
